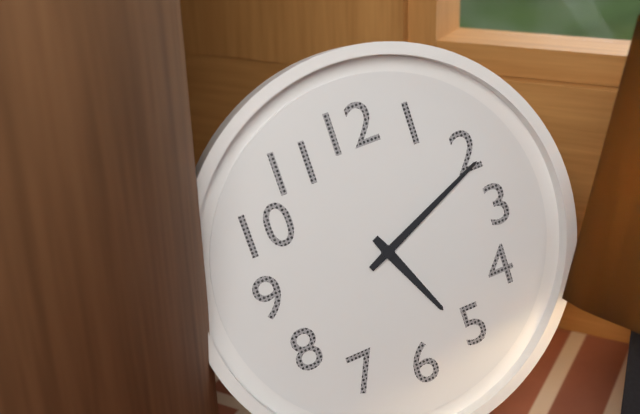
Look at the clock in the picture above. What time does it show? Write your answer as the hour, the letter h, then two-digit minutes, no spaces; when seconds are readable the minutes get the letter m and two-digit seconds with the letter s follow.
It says 5h11
